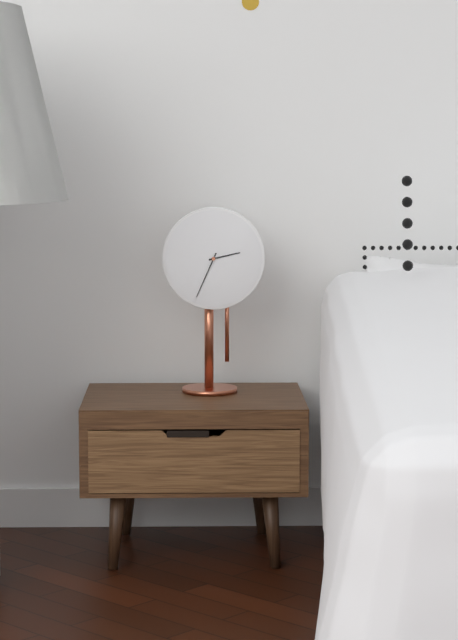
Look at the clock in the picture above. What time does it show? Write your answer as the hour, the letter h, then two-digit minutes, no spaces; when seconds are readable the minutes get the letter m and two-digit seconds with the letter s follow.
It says 2h34
